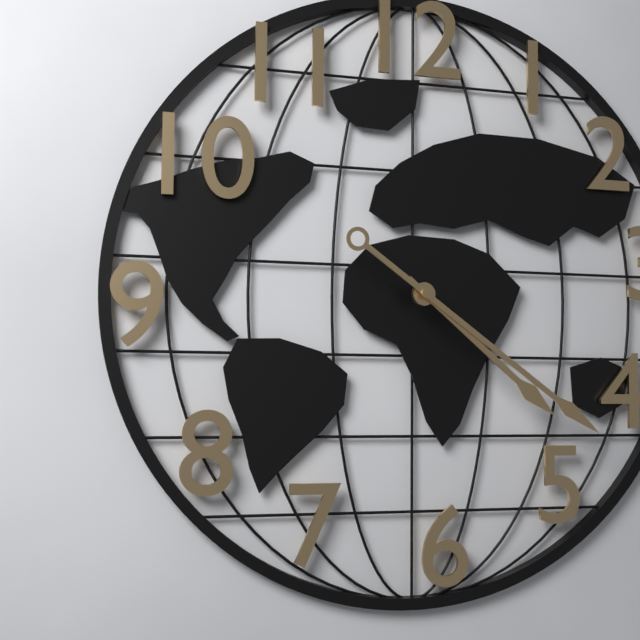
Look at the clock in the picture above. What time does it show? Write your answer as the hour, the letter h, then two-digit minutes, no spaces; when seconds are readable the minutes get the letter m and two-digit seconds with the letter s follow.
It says 4h21
